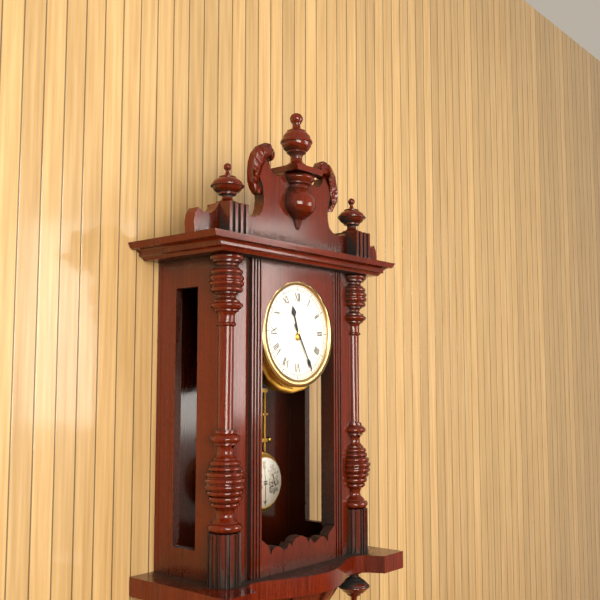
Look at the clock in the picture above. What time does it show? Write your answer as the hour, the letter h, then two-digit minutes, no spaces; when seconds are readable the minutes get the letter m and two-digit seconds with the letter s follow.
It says 11h25
